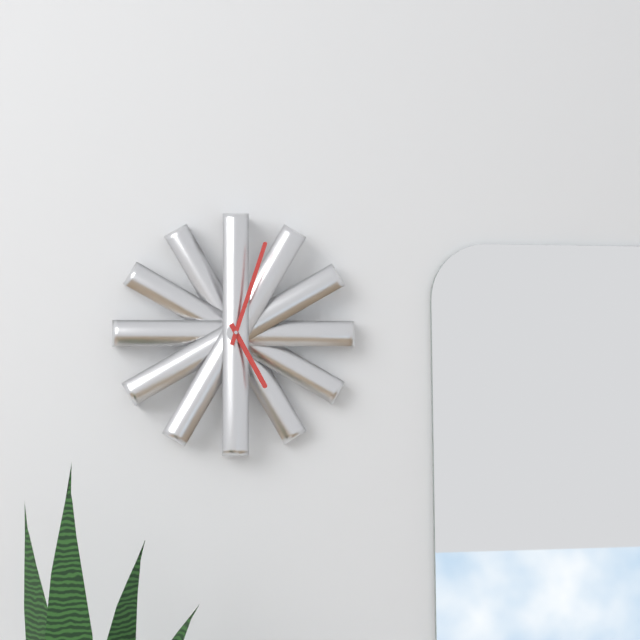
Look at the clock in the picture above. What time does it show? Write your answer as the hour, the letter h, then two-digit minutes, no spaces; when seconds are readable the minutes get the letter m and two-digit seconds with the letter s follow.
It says 5h03
